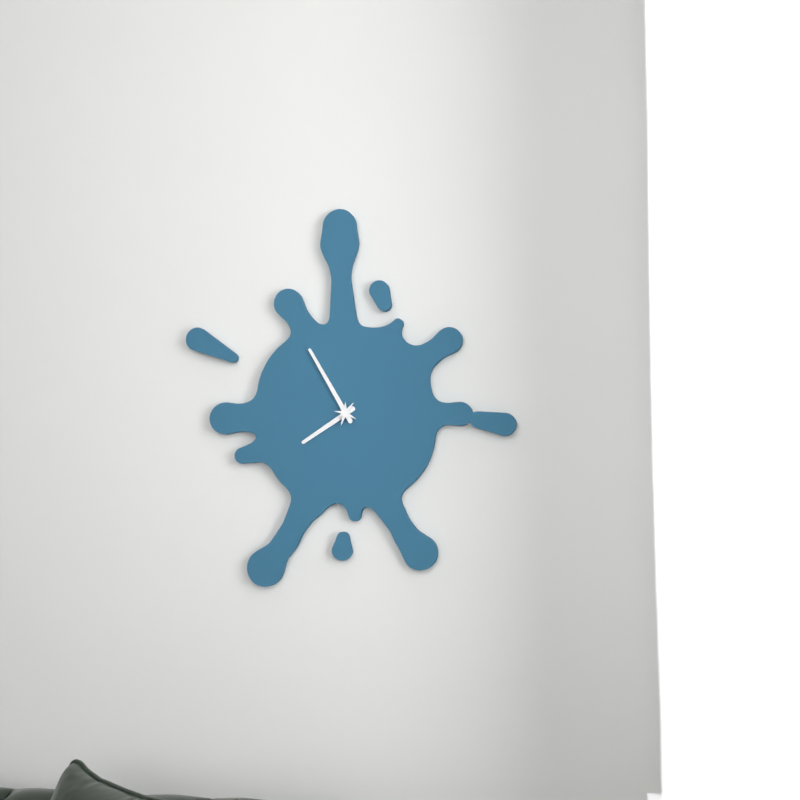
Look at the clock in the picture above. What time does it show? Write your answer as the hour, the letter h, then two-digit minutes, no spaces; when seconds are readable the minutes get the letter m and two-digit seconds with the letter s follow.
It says 7h55
